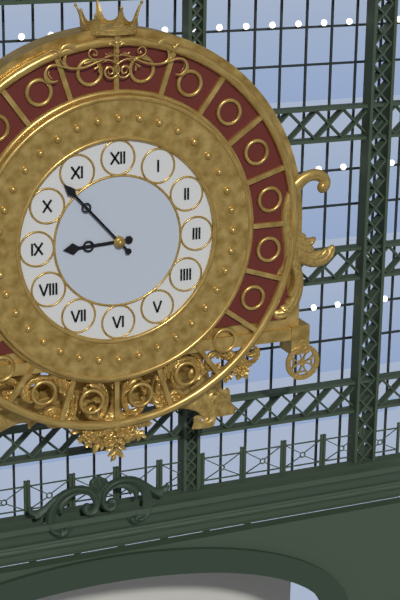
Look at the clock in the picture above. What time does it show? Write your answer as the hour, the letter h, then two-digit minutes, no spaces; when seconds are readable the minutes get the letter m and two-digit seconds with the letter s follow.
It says 8h53
